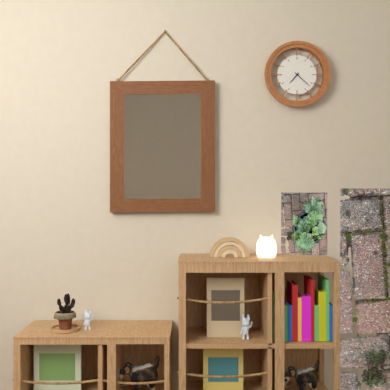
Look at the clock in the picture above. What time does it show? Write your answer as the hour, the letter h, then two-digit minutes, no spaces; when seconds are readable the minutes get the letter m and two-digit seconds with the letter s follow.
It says 7h22
